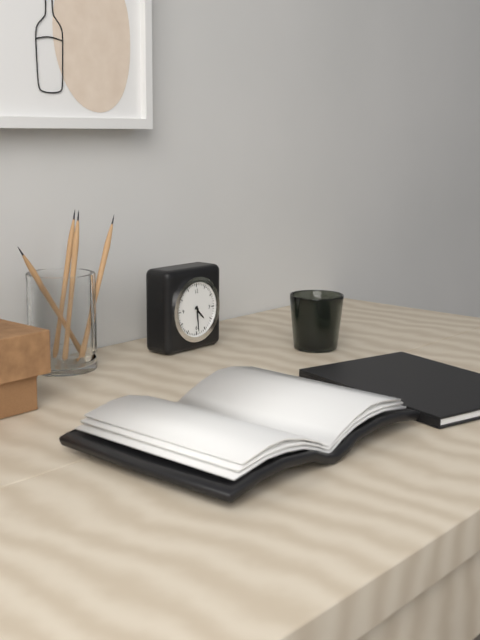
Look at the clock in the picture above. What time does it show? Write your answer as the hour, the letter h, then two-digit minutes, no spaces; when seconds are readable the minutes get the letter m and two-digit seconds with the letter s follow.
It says 4h29
